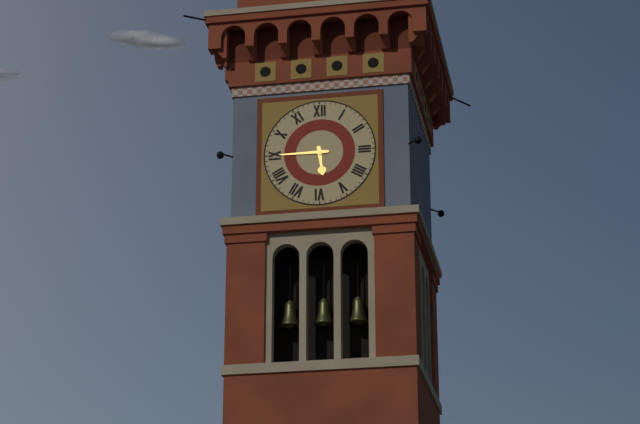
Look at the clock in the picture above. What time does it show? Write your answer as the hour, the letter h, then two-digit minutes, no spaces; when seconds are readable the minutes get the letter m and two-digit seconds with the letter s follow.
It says 5h45
